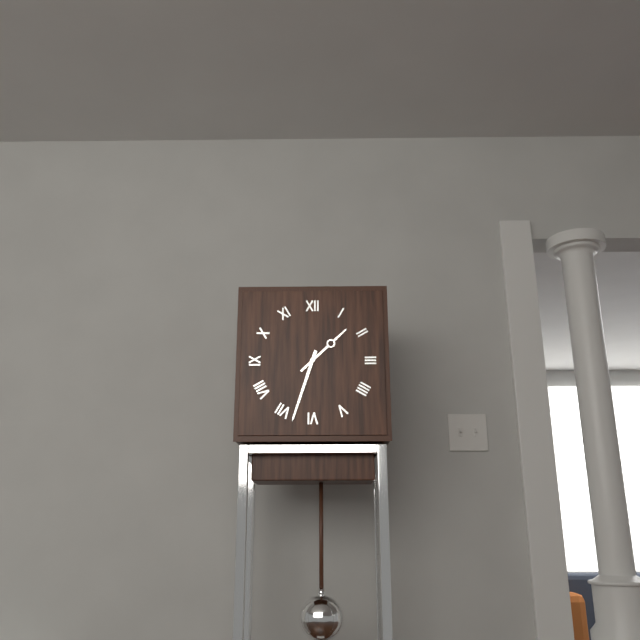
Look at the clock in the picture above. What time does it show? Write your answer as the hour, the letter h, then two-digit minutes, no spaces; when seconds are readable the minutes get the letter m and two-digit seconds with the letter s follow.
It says 1h33
